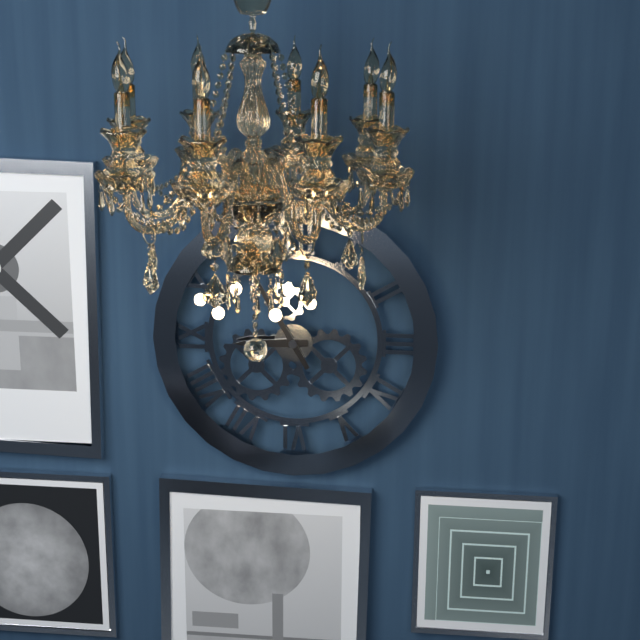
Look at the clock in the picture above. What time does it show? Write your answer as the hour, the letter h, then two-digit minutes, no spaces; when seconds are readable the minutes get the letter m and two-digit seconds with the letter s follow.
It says 8h55
